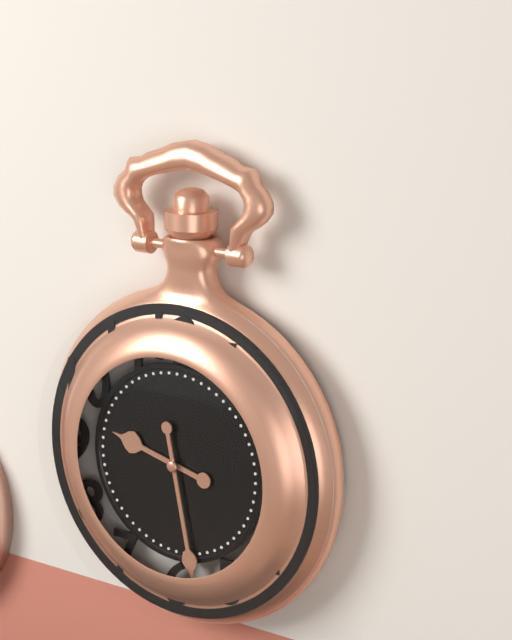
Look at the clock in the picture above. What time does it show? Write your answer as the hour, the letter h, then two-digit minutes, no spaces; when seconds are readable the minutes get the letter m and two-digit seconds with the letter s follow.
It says 9h28
